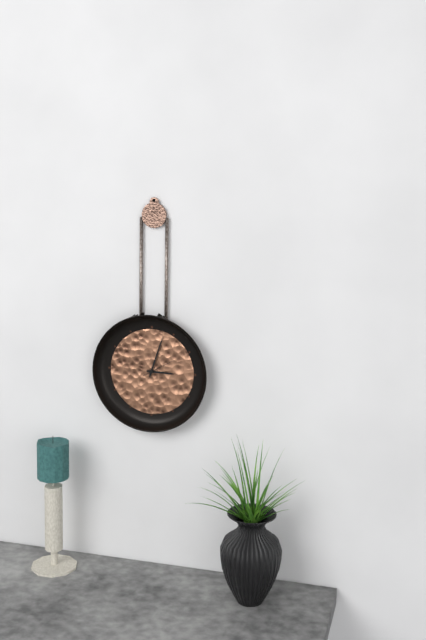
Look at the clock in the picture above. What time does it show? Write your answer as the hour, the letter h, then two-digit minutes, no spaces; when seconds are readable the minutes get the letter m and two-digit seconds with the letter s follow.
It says 3h03
